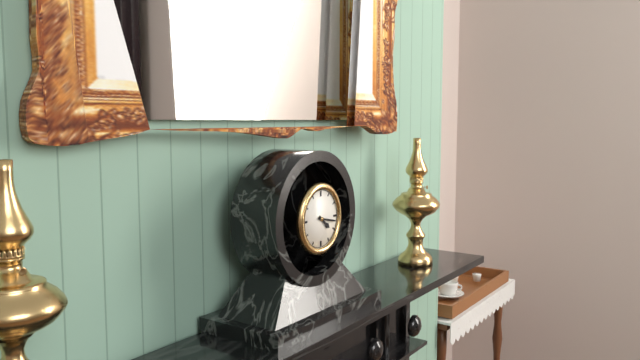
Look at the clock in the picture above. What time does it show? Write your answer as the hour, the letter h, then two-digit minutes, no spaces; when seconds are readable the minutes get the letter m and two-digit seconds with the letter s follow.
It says 4h17
